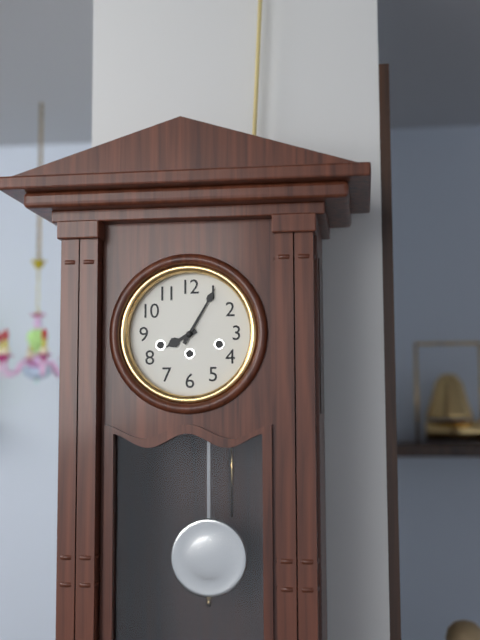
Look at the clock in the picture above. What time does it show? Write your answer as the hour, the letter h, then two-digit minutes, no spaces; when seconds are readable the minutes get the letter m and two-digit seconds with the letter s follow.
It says 8h05
